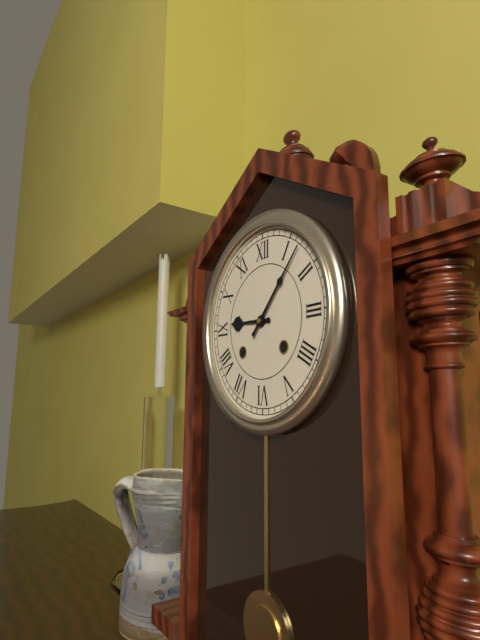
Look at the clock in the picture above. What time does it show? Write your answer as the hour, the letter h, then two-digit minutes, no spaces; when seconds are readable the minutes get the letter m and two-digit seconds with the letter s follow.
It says 9h07
